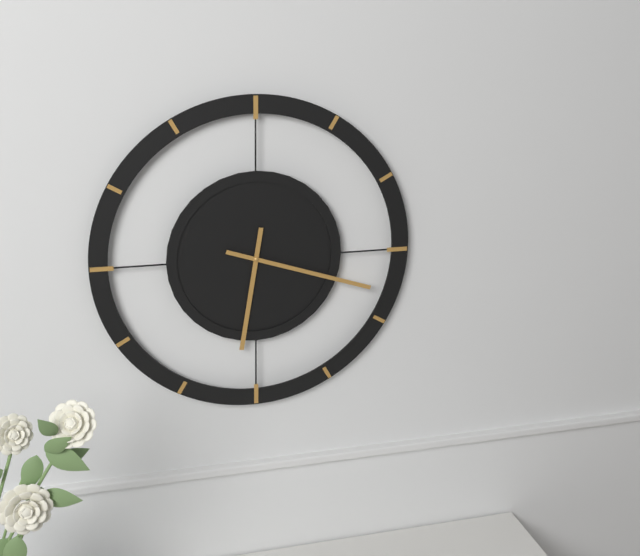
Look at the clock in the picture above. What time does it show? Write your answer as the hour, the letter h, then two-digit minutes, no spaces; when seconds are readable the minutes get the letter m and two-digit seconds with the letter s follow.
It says 6h18
